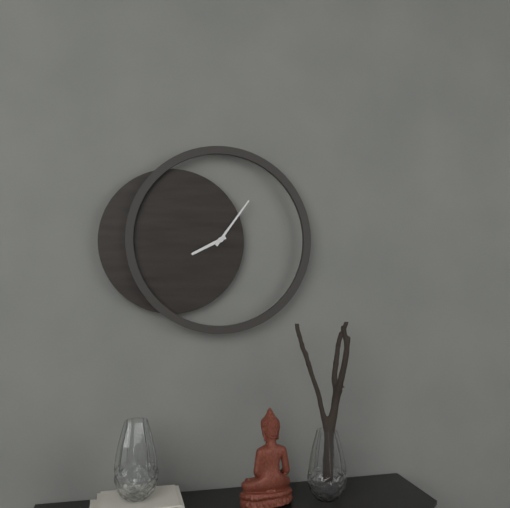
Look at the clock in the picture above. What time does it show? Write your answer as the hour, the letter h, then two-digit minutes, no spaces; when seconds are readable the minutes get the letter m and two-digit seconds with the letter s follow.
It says 8h06
